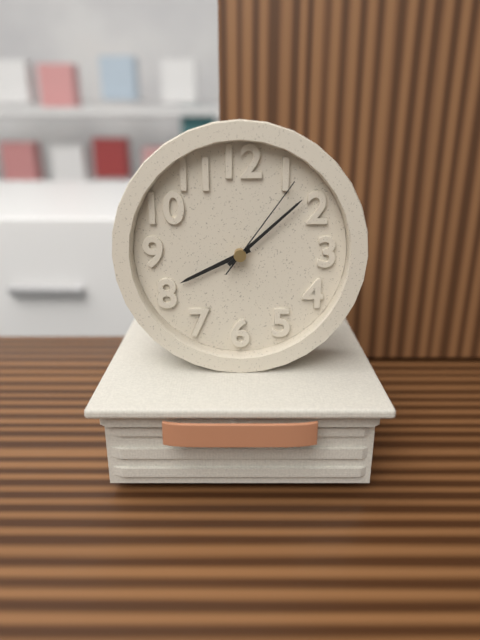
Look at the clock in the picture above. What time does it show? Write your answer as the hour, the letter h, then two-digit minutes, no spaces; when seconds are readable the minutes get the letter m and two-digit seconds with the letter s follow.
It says 8h08m06s
